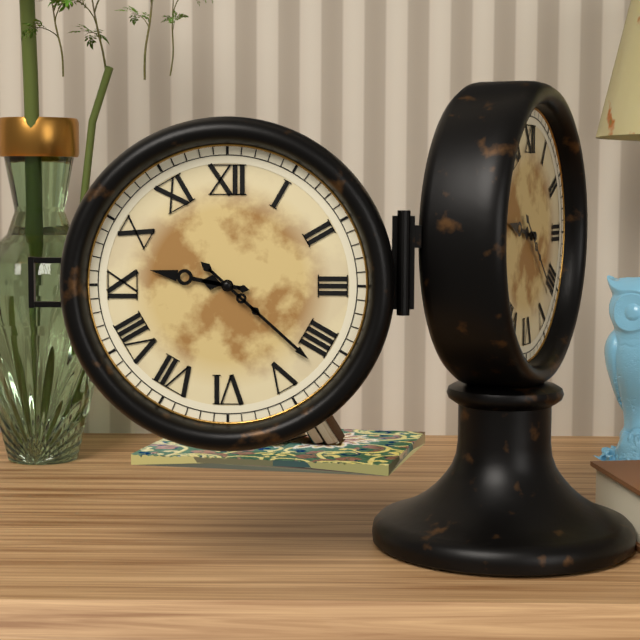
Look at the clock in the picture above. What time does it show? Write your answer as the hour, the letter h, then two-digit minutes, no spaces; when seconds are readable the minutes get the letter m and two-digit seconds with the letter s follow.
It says 9h22
